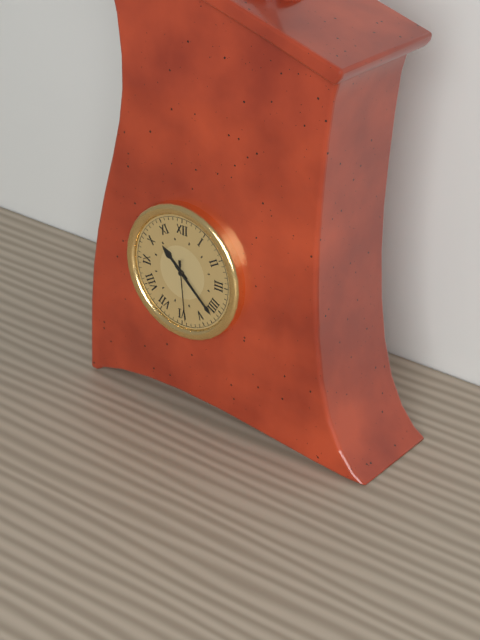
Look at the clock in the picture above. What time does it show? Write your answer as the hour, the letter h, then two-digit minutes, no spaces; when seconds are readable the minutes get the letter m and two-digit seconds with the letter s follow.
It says 10h22m29s
